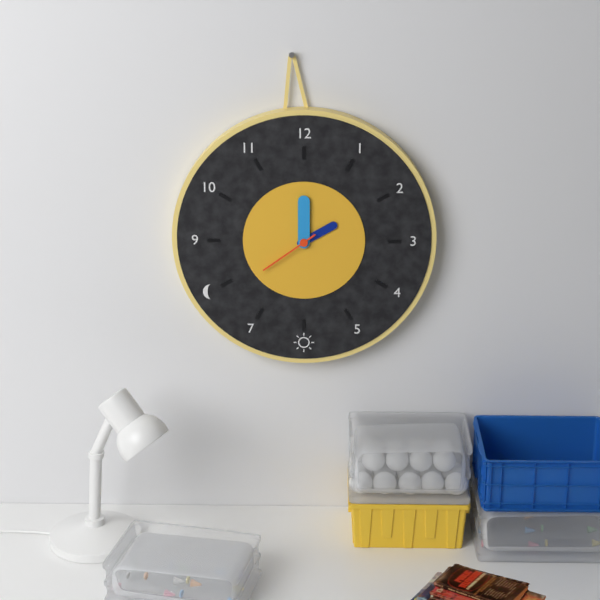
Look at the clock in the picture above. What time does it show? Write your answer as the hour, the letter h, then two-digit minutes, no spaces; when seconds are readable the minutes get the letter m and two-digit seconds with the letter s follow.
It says 2h00m39s
